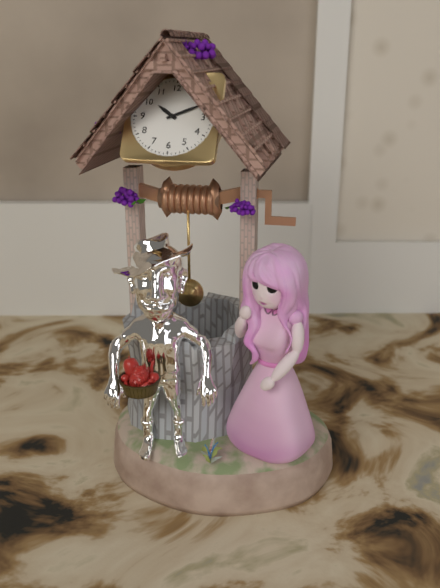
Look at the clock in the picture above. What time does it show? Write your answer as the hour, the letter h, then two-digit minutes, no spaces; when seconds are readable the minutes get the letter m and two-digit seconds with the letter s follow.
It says 10h11
